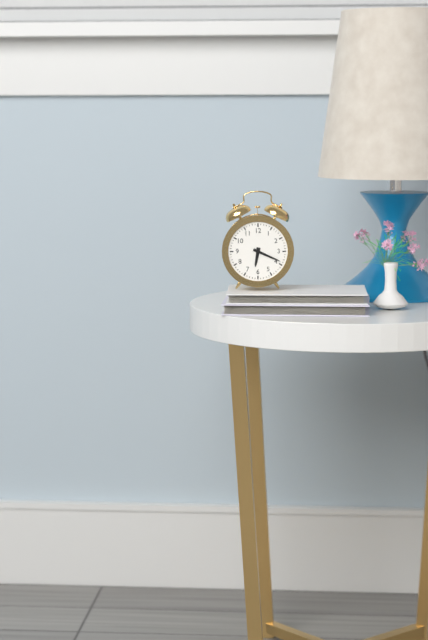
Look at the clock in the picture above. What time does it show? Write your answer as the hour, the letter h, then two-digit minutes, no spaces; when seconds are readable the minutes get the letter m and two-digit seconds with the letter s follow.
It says 6h19
